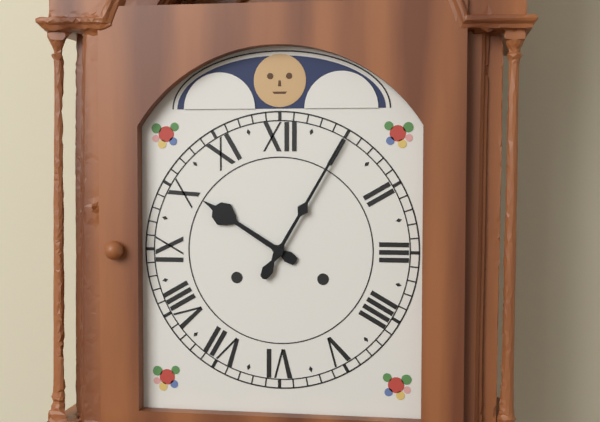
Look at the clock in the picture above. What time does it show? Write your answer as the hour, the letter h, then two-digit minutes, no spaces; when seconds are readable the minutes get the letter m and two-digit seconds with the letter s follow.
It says 10h05
